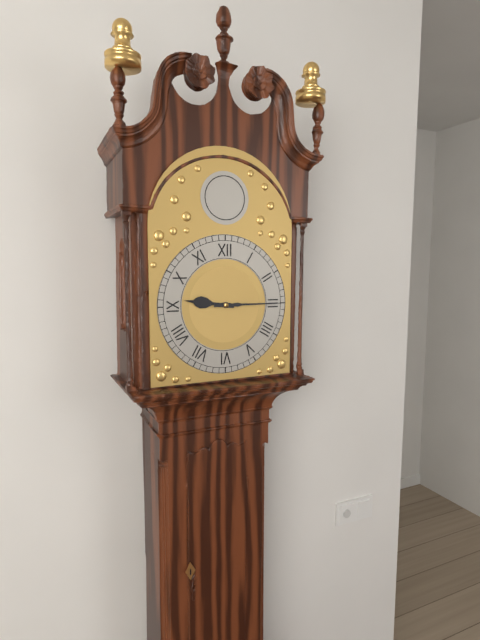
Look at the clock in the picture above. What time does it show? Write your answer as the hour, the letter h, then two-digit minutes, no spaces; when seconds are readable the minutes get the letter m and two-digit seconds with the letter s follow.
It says 9h15
